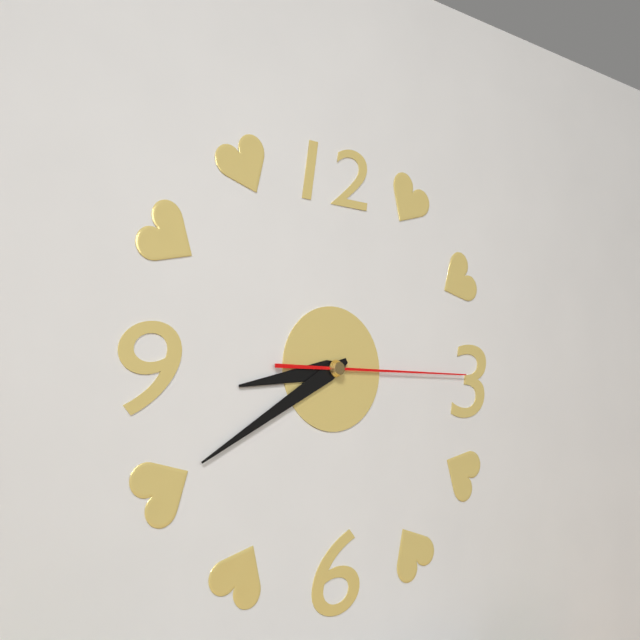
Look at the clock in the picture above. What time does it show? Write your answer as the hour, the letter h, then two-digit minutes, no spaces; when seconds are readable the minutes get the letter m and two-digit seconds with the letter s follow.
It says 8h40m15s
